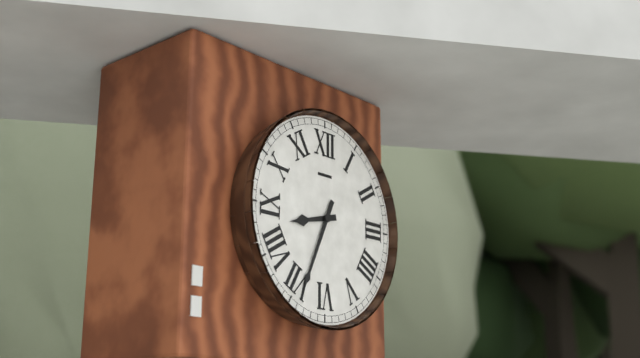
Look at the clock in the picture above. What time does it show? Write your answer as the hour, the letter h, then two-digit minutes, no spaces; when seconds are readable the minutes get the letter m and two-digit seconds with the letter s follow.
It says 8h34
